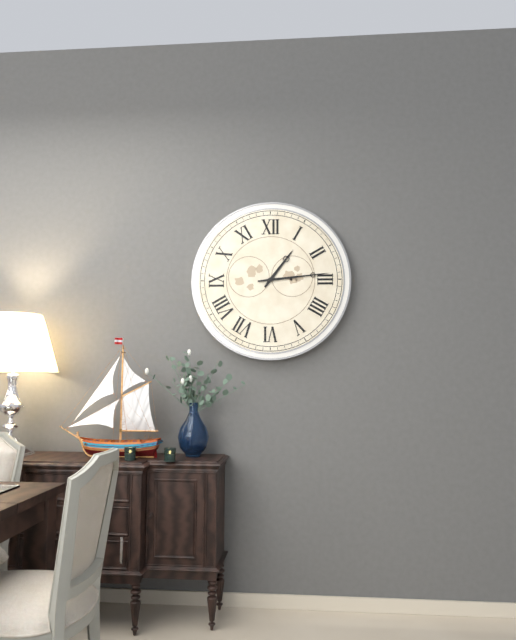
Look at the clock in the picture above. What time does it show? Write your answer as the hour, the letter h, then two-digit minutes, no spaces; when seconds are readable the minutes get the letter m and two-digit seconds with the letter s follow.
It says 1h14
